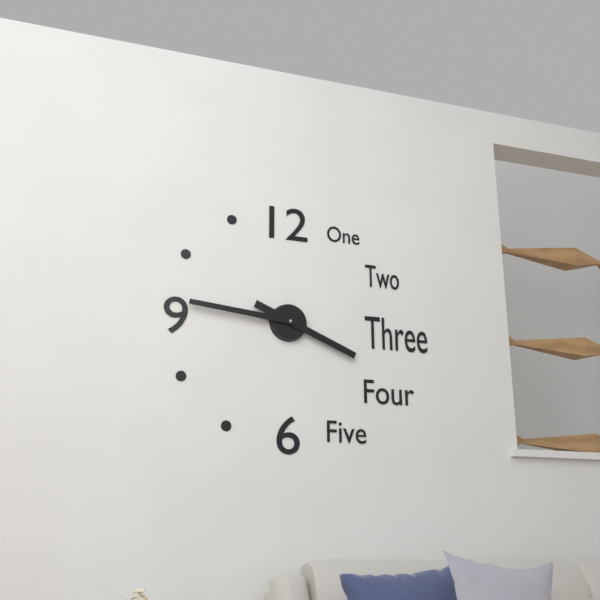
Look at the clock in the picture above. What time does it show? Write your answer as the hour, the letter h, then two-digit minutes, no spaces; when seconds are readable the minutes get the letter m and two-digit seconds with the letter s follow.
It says 3h46
